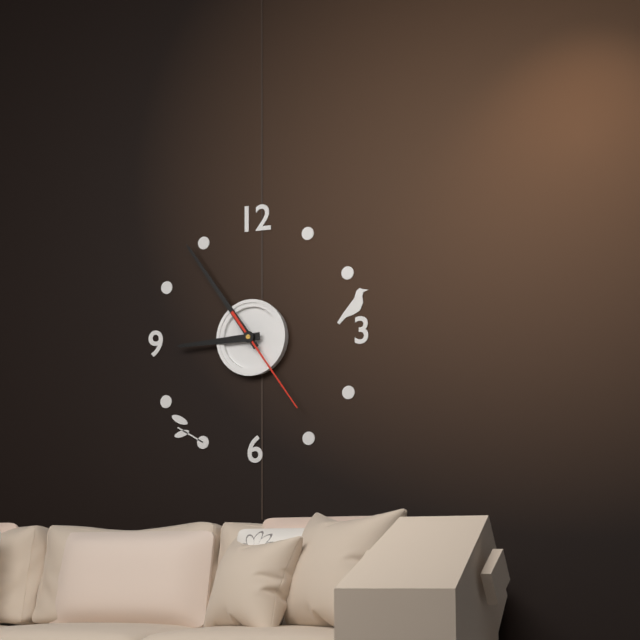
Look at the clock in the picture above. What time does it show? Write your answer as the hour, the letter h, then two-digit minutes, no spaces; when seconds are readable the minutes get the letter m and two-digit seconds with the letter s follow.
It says 8h54m24s
